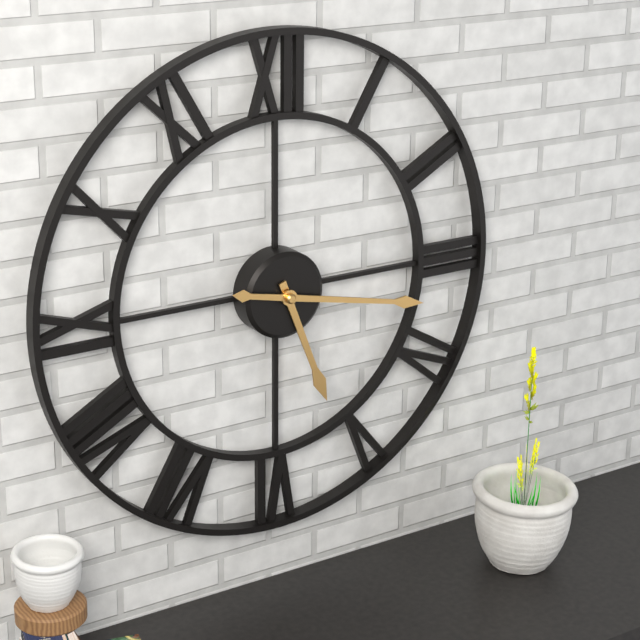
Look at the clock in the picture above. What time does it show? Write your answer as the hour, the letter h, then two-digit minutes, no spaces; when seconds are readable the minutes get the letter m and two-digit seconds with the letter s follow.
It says 5h17
